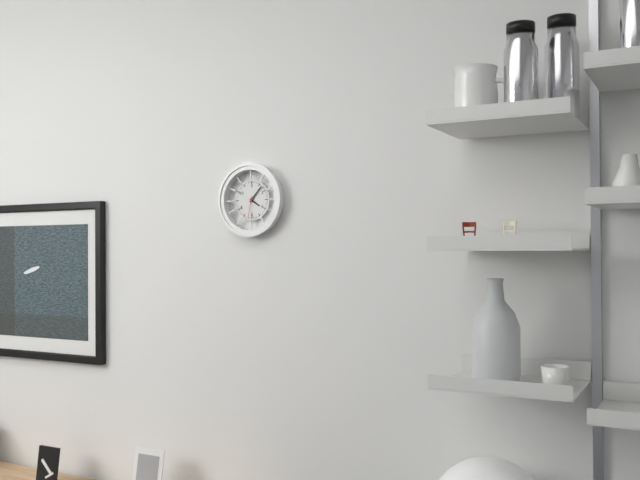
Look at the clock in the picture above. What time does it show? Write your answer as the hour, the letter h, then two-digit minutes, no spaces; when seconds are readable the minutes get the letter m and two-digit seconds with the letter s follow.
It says 4h07
